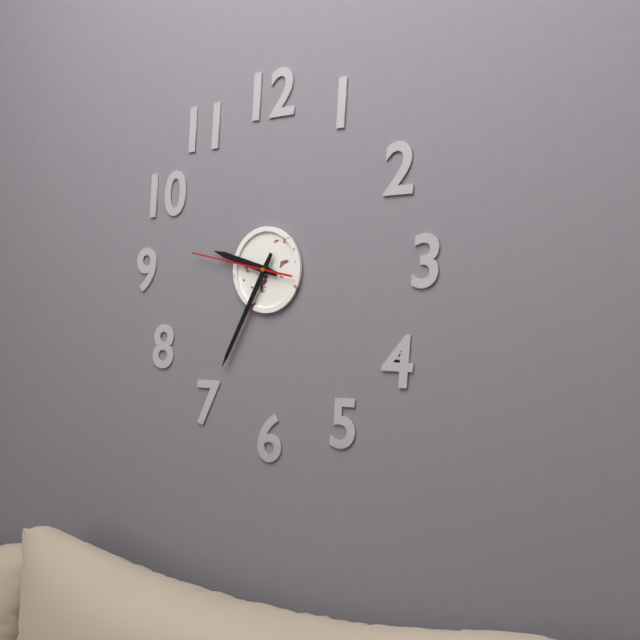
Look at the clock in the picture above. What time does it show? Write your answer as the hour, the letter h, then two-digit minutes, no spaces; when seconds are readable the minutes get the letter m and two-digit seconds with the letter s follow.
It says 9h35m47s
